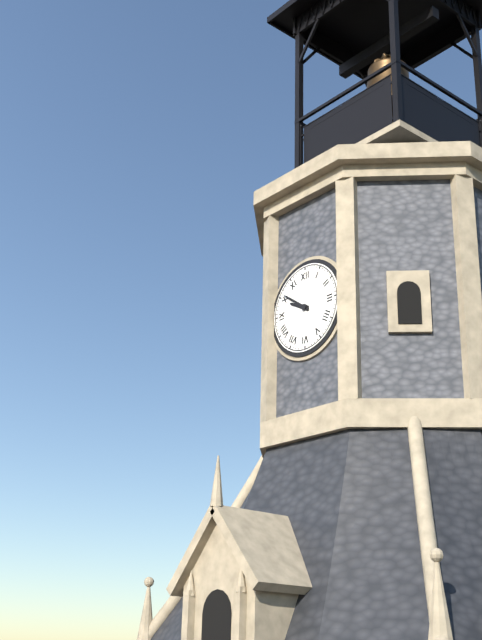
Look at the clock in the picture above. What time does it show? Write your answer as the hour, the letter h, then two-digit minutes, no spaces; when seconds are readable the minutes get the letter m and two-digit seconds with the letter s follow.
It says 9h51
